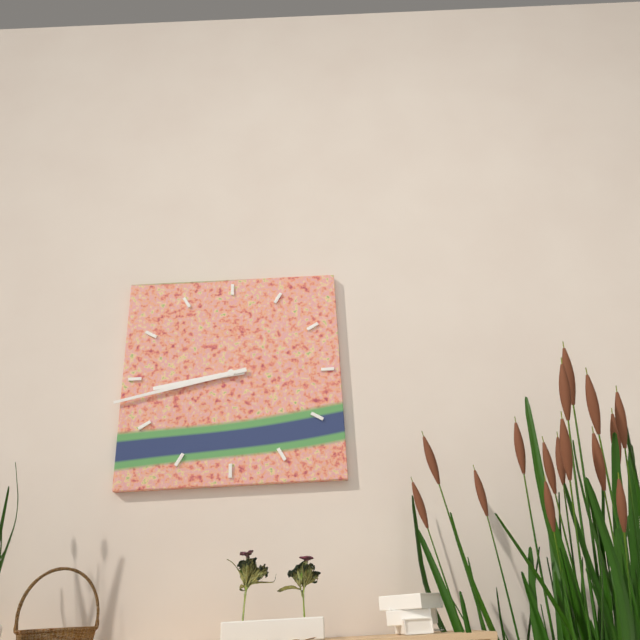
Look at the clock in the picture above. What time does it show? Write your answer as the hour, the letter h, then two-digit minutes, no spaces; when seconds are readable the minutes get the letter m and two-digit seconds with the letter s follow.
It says 8h43
